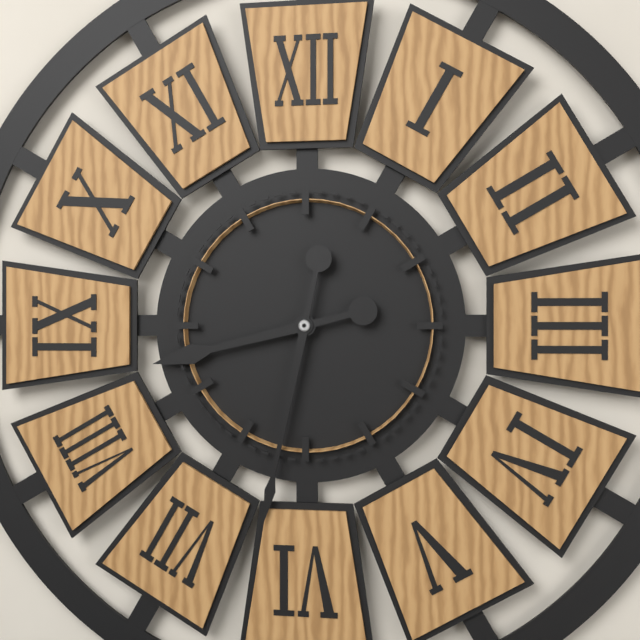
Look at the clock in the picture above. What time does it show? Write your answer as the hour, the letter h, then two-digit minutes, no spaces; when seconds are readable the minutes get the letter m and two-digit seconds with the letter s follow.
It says 8h32
